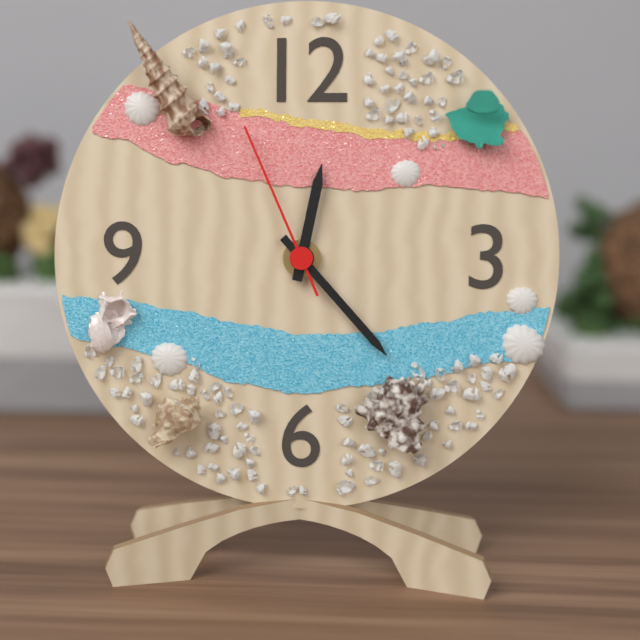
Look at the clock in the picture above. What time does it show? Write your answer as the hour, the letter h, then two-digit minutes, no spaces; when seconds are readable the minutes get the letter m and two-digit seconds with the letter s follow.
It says 12h23m56s
